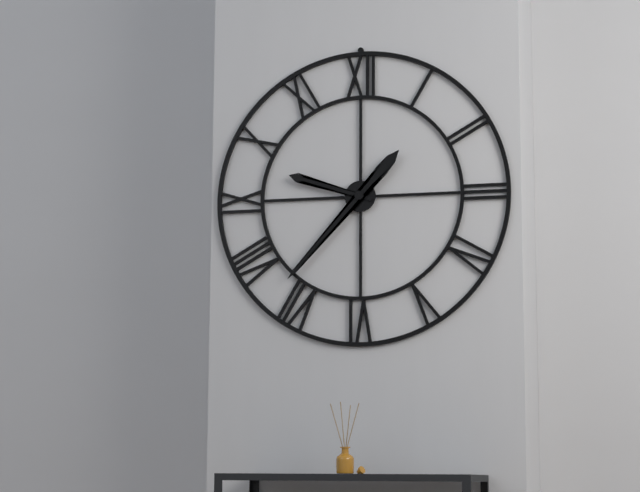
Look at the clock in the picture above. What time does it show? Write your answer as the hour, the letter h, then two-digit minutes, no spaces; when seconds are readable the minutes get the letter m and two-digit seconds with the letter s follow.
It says 9h37
